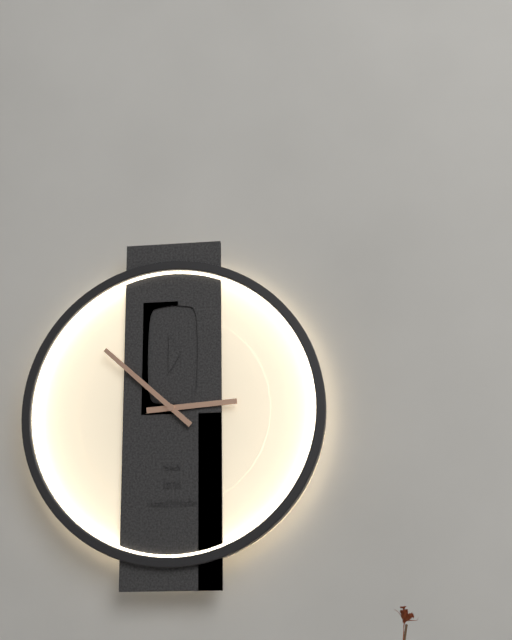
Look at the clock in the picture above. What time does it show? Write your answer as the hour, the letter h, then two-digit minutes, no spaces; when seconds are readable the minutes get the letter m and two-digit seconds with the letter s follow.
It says 2h52
